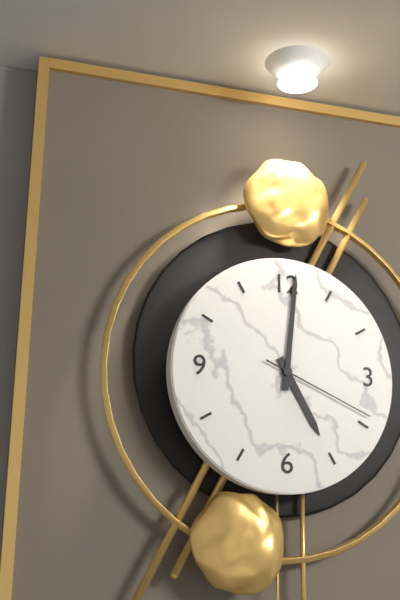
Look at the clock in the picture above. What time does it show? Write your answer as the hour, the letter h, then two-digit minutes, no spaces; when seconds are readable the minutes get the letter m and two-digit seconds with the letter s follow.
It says 5h01m19s
